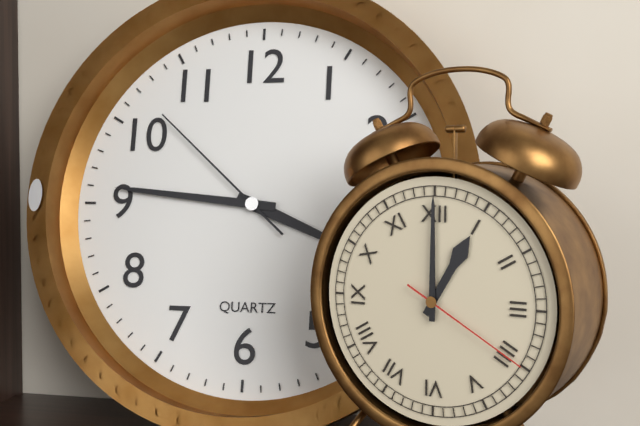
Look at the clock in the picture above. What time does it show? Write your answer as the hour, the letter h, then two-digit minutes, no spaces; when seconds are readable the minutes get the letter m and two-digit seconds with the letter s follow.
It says 3h46m52s
